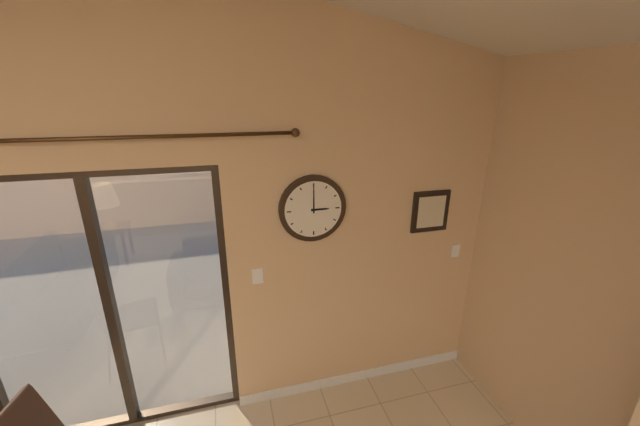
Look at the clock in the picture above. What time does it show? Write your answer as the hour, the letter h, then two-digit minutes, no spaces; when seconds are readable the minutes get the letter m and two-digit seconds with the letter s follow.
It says 3h00
